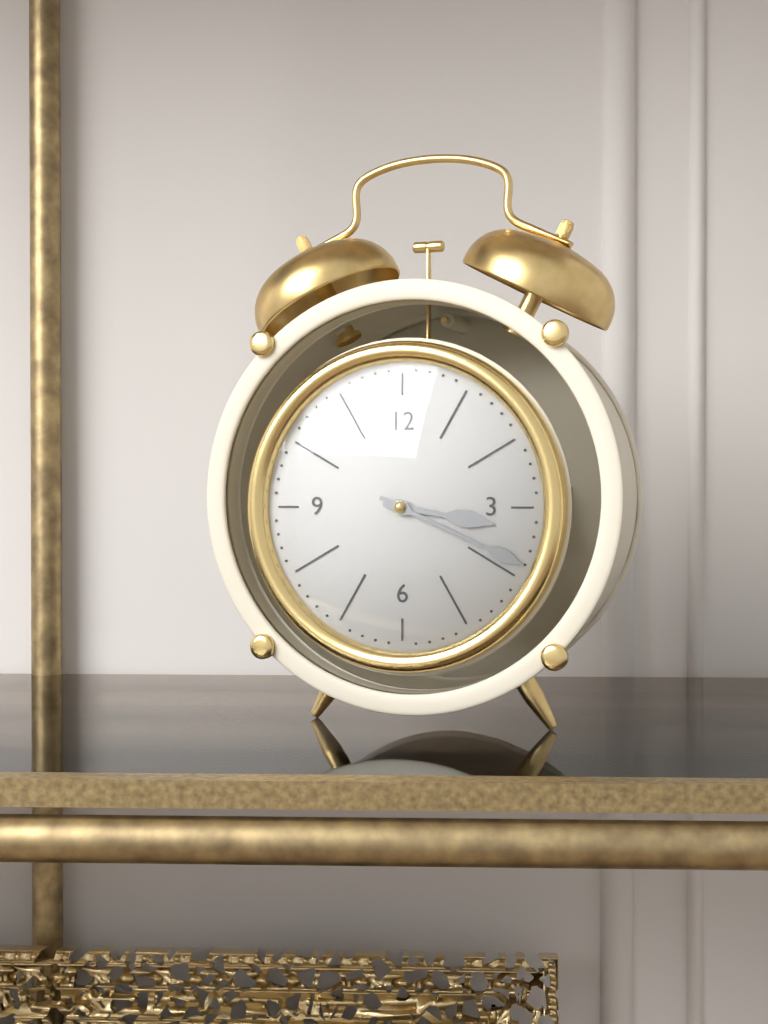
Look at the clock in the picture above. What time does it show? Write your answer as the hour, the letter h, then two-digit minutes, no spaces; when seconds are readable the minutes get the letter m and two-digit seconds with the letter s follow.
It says 3h19
